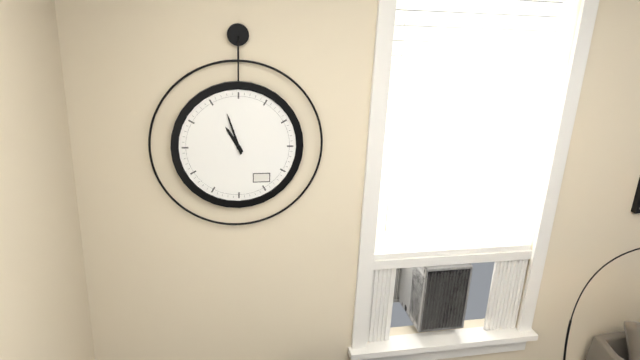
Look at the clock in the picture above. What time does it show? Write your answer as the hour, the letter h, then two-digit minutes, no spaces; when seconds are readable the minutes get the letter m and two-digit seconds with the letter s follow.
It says 10h57
